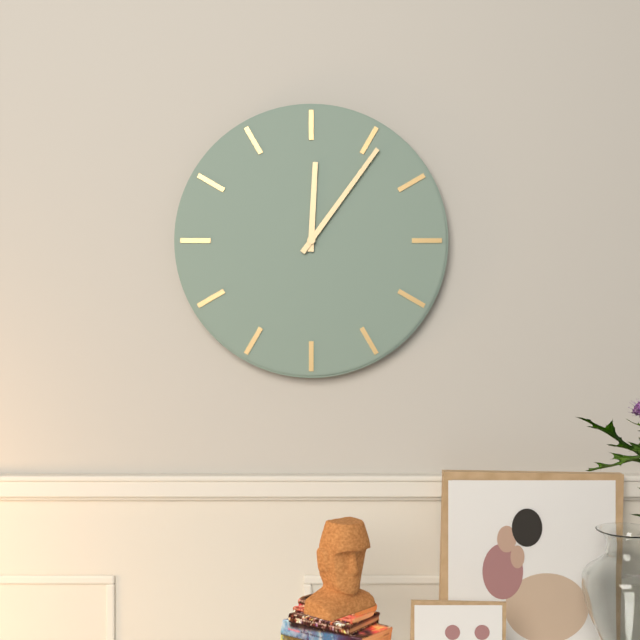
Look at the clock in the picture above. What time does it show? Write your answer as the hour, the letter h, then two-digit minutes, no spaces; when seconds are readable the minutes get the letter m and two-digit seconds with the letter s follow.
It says 12h06
